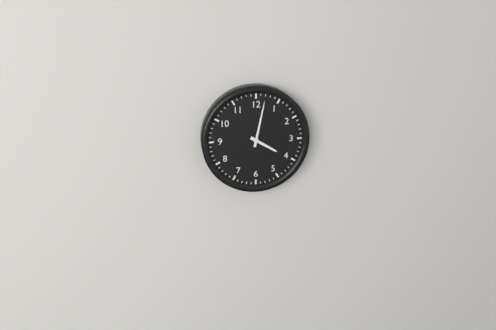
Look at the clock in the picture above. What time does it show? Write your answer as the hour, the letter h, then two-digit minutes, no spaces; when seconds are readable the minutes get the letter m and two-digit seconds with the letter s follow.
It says 4h02
